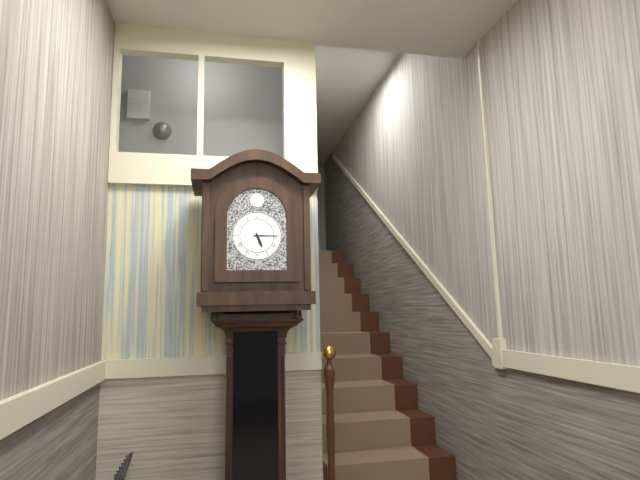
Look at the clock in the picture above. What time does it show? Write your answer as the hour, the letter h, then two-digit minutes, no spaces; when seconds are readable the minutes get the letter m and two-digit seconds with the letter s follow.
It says 5h15
